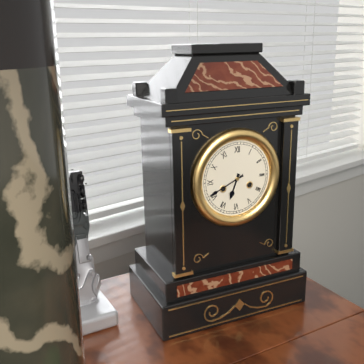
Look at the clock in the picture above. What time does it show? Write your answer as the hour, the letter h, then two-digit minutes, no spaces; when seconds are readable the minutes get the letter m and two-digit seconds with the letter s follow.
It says 6h41
